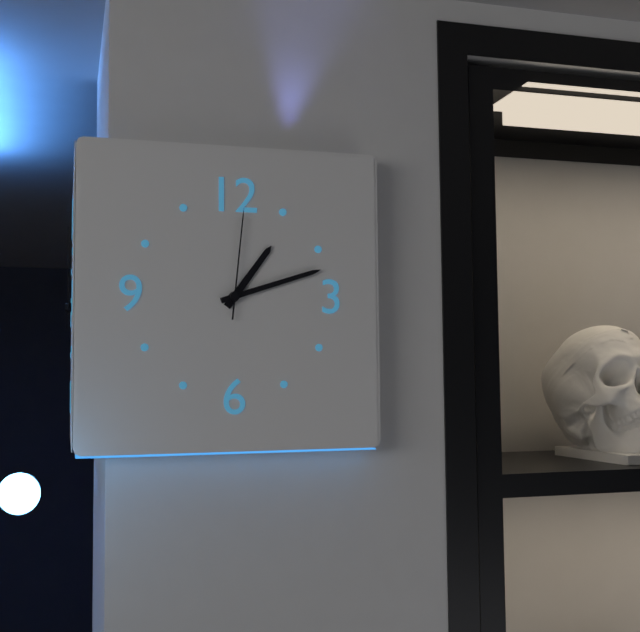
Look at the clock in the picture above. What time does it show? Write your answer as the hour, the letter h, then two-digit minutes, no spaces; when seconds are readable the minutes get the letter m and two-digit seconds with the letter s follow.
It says 1h12m01s
